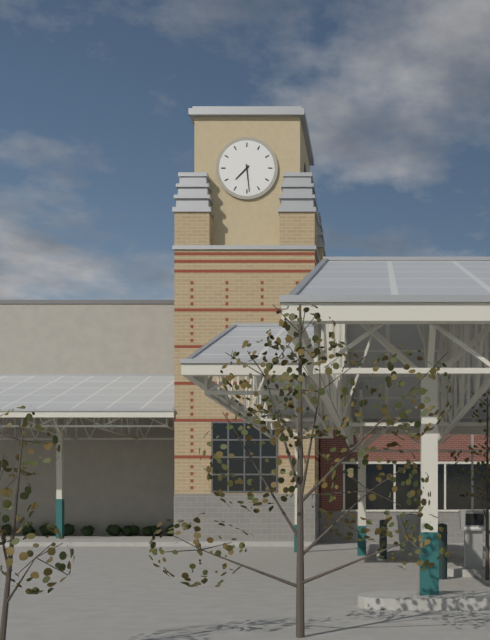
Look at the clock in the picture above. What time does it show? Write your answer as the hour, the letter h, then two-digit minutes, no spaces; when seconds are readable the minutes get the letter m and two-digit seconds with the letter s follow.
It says 7h29
